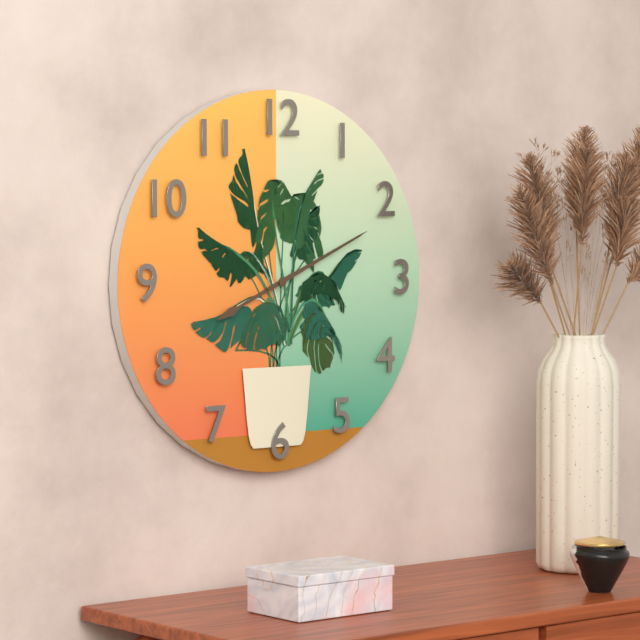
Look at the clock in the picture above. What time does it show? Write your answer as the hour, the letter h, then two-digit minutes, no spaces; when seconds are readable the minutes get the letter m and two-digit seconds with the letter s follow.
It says 8h11
